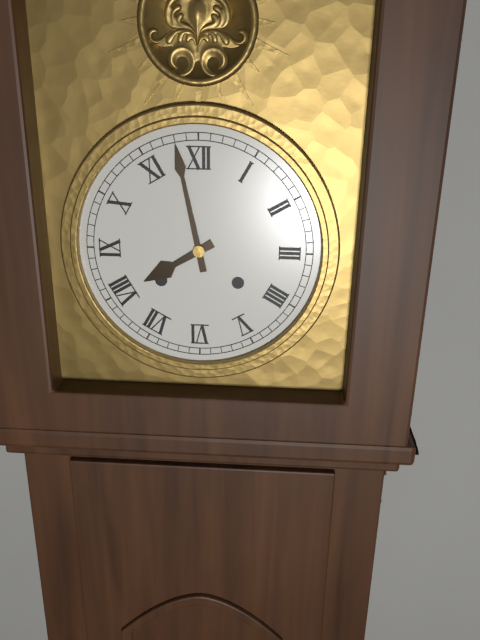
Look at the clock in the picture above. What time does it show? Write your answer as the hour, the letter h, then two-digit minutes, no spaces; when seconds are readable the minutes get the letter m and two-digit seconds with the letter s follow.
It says 7h58
